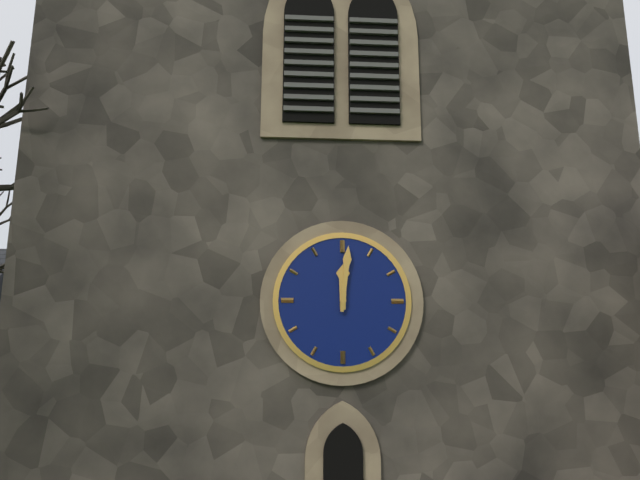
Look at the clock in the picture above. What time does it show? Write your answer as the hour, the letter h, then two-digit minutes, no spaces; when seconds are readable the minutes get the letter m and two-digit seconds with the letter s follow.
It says 12h01
